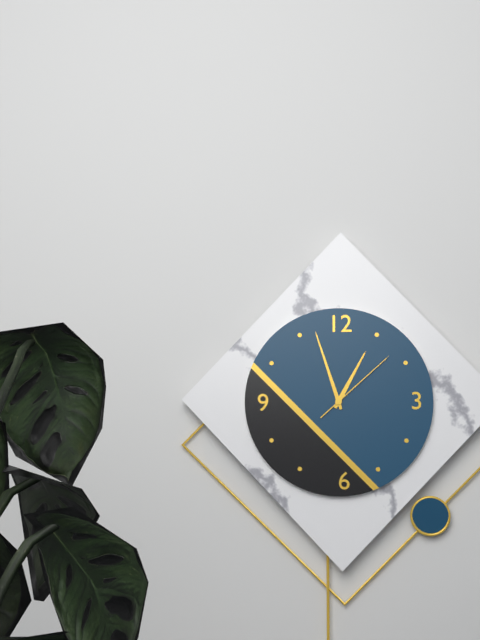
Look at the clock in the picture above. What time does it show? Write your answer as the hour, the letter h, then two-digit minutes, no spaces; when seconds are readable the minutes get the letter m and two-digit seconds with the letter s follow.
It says 12h57m08s
